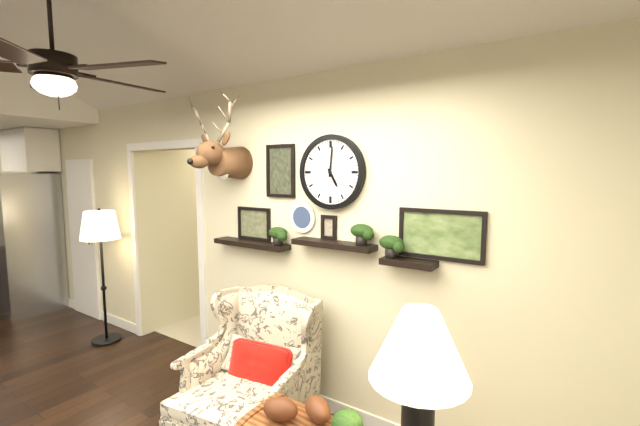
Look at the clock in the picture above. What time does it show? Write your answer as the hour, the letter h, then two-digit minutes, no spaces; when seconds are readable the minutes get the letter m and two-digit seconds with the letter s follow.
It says 5h01
